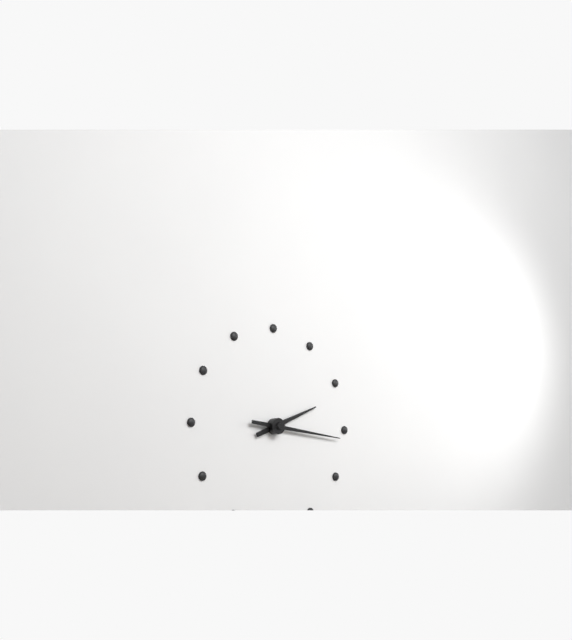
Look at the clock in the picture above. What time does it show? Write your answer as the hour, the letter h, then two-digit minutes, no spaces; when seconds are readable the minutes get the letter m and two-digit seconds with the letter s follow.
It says 2h16
